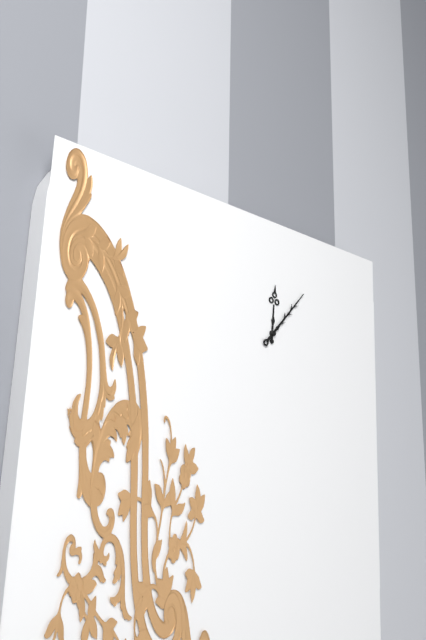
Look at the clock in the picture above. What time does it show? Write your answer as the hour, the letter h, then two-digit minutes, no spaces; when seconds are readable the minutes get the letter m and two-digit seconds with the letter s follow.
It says 12h07
